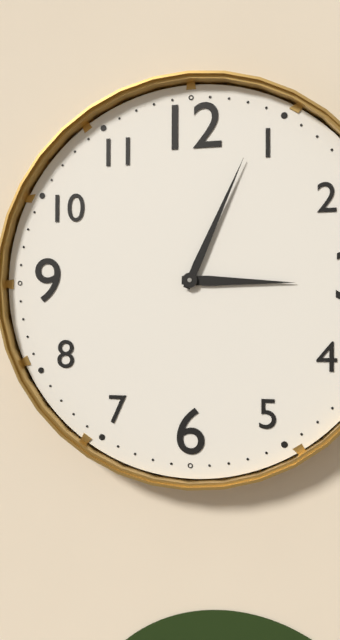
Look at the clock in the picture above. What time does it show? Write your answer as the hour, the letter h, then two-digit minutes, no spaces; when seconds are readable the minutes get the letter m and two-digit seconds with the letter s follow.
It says 3h04
